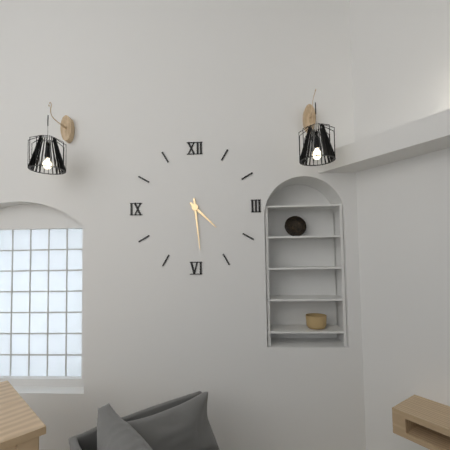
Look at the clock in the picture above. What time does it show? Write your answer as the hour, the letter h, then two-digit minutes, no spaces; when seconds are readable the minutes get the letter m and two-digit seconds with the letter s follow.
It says 4h29
